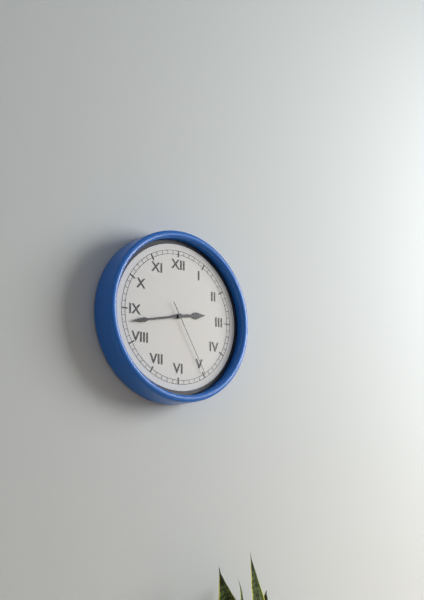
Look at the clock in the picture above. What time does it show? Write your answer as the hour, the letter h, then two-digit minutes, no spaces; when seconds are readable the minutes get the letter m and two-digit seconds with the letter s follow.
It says 2h43m25s
